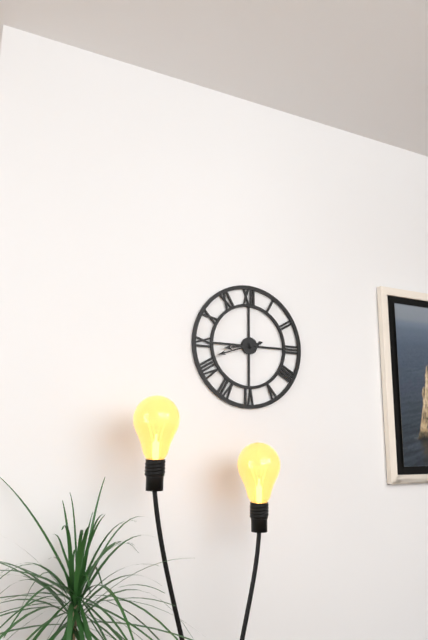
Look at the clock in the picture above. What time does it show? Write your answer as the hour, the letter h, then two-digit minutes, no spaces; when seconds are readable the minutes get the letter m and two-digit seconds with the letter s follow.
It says 8h42
